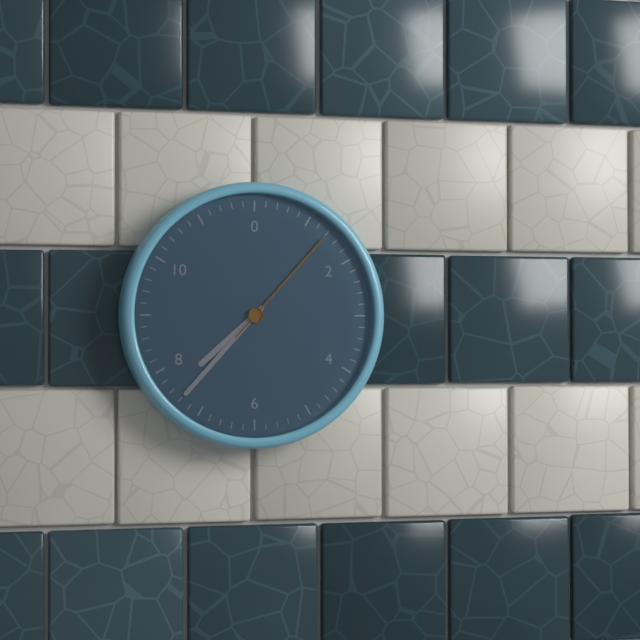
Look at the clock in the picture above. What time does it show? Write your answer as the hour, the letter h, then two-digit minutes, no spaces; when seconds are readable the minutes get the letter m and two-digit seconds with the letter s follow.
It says 7h37m07s
